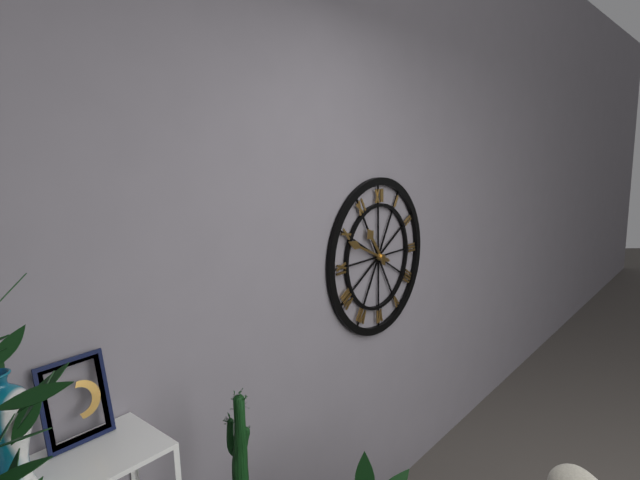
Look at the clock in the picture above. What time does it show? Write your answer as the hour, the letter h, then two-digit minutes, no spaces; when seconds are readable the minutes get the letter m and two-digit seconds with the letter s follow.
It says 10h49
